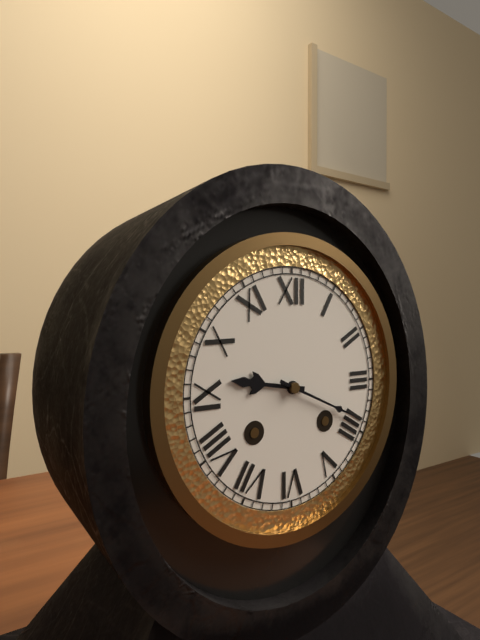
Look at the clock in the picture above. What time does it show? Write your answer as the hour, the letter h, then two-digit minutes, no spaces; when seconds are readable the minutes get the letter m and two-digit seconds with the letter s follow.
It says 9h19
